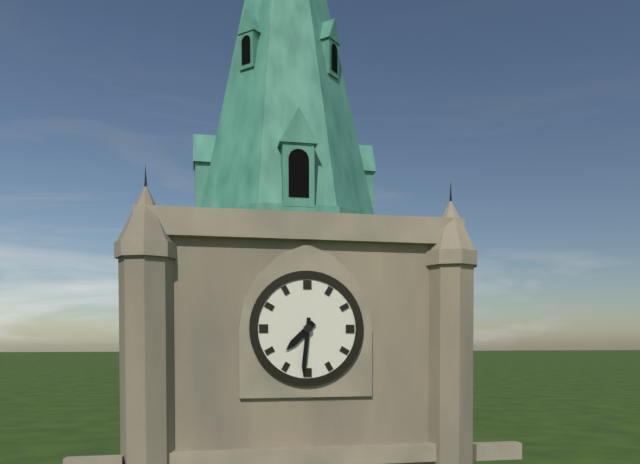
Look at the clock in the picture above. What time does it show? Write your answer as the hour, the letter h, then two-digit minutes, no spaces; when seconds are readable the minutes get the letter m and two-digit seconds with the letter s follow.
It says 7h31
